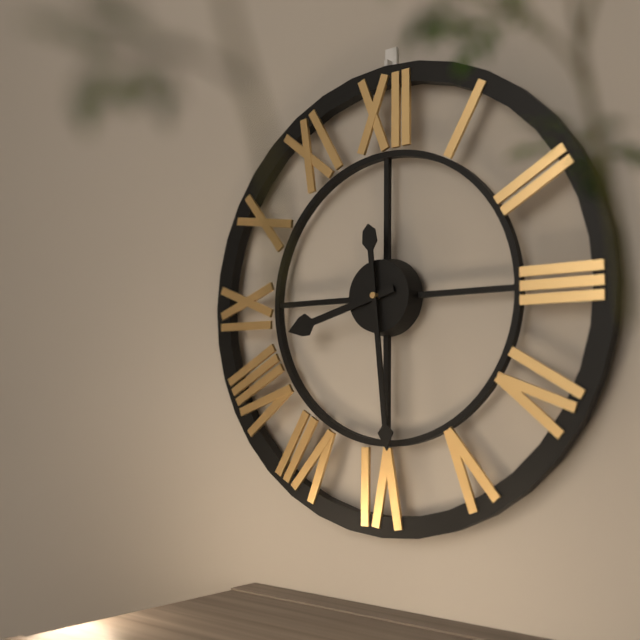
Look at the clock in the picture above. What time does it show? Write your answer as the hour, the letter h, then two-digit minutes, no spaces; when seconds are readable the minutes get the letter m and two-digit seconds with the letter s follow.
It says 8h29
